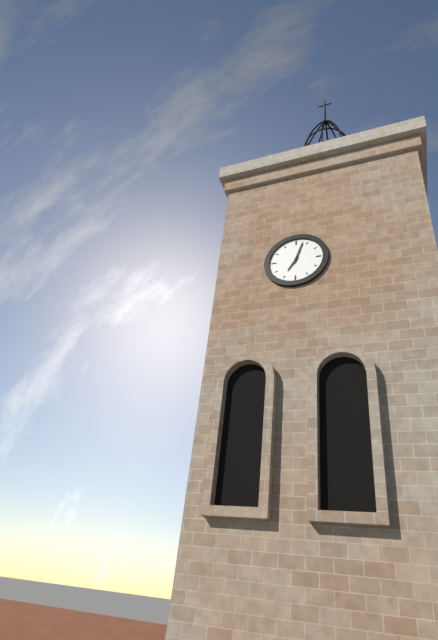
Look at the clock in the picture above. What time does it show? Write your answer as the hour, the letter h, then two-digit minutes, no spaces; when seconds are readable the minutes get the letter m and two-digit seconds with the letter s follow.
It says 7h03
